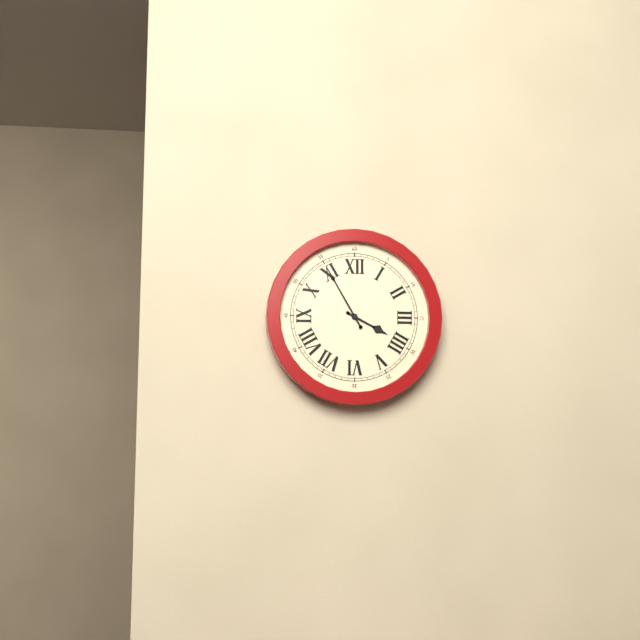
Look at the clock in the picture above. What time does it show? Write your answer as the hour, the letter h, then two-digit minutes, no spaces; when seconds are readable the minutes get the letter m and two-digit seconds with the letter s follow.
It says 3h55
